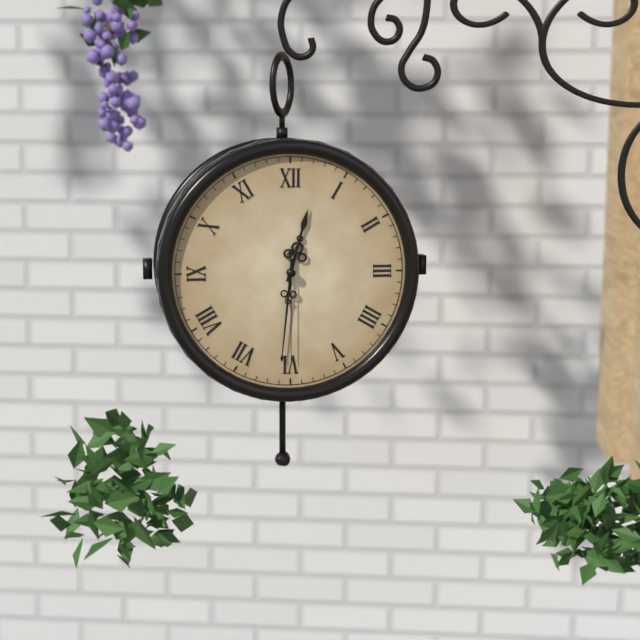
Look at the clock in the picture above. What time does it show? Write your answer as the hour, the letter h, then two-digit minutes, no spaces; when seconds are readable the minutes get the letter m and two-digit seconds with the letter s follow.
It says 12h31m30s
